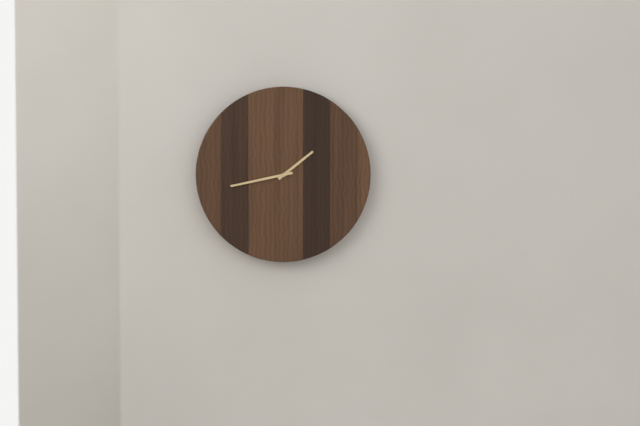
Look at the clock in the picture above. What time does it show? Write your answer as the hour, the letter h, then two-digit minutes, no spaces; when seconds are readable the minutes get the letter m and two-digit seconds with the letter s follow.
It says 1h43
